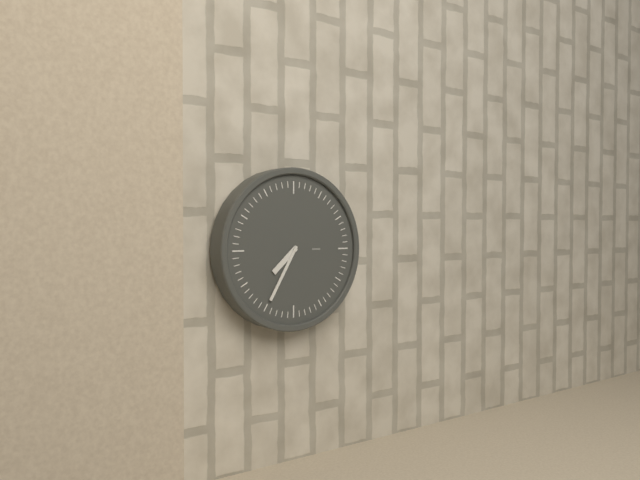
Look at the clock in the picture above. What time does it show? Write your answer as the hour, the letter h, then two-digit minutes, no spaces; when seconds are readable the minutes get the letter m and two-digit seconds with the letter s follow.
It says 7h35
